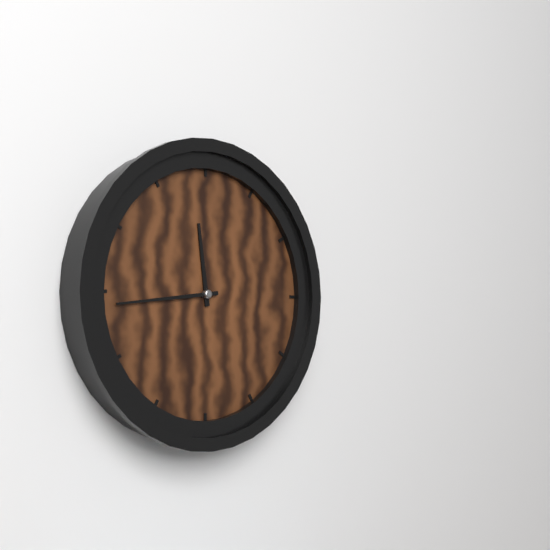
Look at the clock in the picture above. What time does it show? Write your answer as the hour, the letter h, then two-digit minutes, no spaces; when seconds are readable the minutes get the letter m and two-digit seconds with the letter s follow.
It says 11h44
